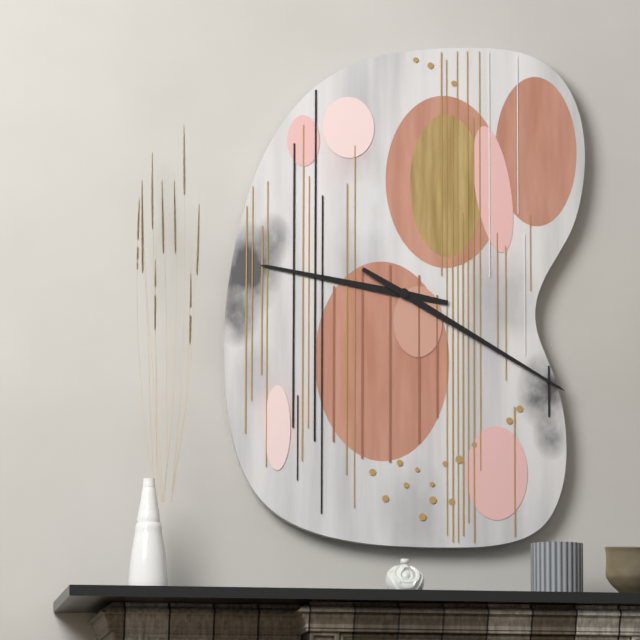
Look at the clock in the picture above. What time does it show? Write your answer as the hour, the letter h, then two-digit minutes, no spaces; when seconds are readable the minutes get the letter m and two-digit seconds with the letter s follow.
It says 9h20
